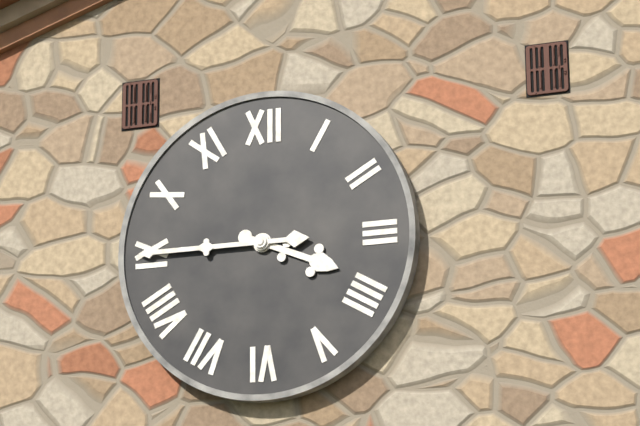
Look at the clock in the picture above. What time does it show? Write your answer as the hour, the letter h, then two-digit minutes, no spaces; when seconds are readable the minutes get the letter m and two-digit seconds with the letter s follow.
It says 3h45
